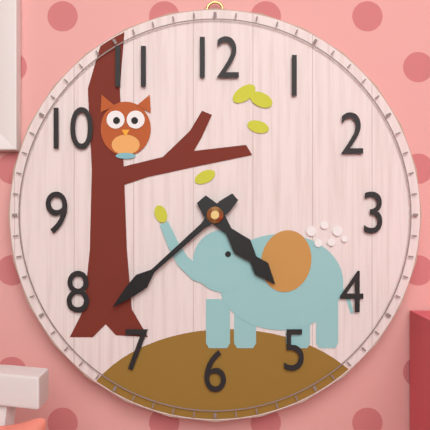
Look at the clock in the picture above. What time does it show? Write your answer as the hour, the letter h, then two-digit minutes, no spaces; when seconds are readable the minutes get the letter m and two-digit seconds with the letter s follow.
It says 4h38
